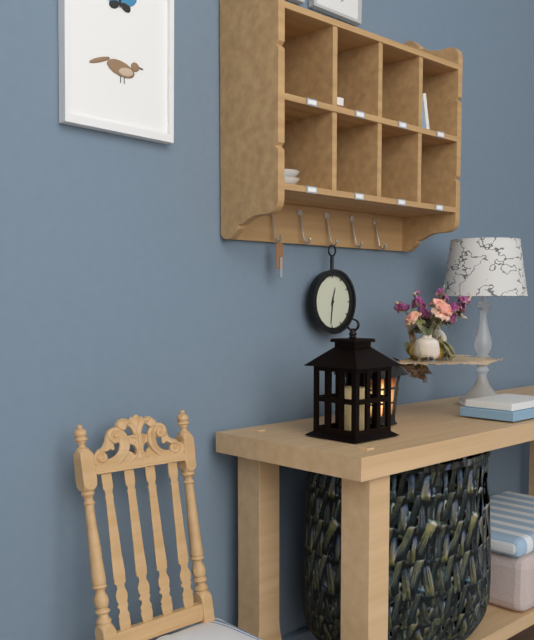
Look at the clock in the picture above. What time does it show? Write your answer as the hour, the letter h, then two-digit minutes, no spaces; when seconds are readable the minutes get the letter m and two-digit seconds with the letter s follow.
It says 12h31
